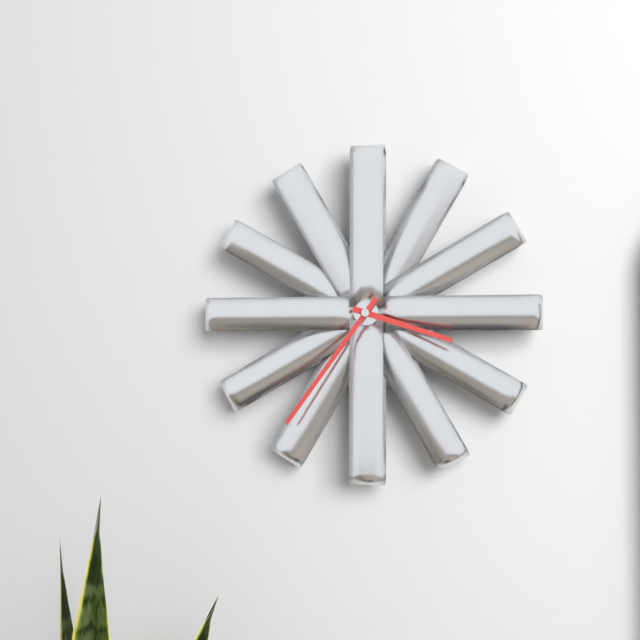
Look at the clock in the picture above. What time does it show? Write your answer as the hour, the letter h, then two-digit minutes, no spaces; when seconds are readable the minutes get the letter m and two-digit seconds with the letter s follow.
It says 3h36
